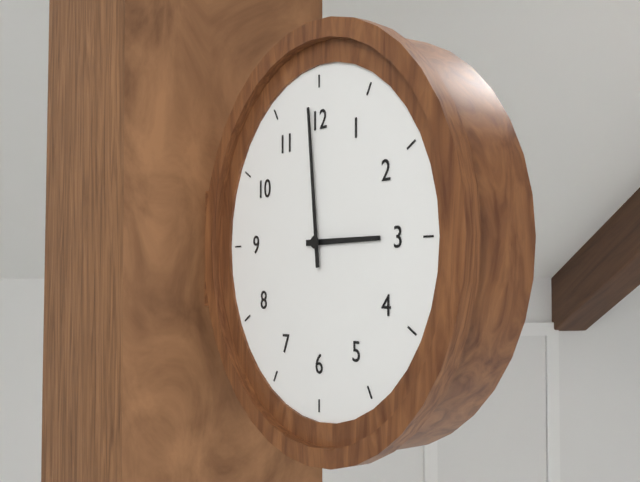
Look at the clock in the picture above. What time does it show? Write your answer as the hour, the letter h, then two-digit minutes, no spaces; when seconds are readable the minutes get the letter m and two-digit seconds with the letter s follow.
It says 2h59
